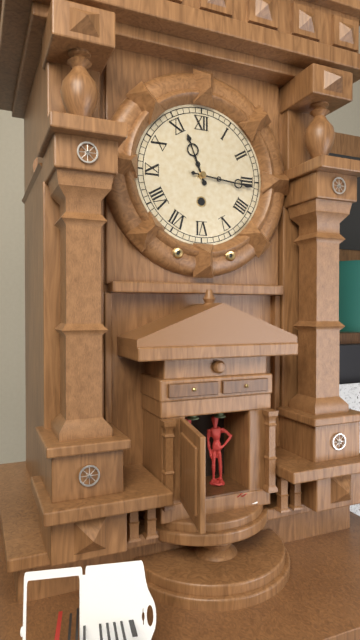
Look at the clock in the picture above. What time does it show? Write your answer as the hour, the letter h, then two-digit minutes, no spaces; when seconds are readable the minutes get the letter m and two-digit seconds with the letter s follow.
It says 11h16
